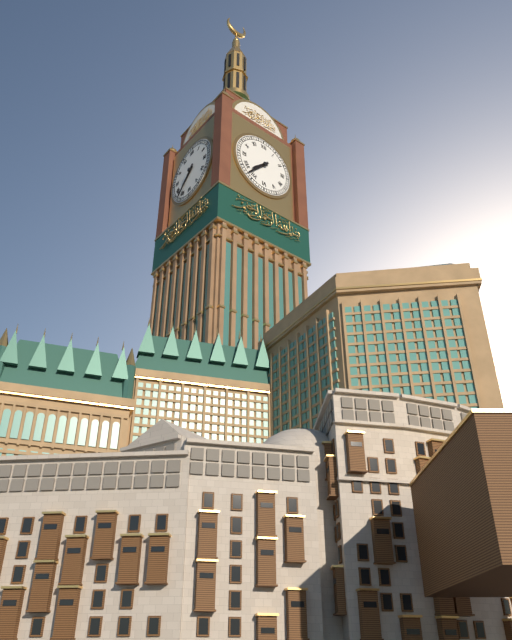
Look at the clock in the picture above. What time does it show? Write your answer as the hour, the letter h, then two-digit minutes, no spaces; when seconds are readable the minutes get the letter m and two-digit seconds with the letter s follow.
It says 7h37
